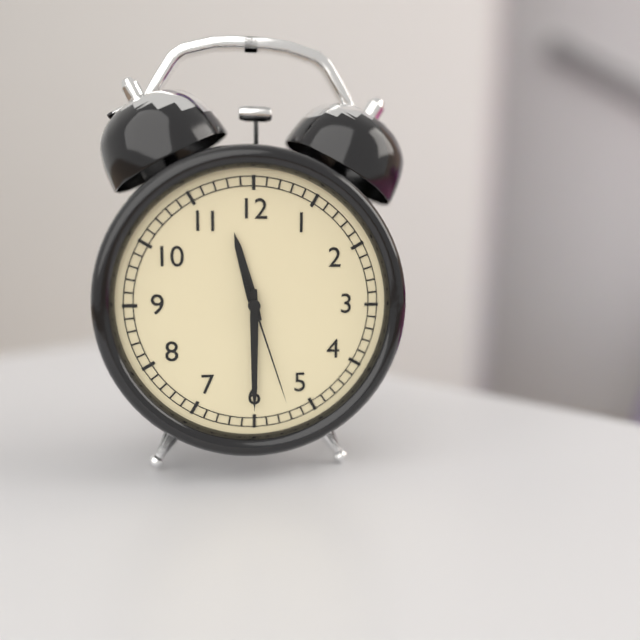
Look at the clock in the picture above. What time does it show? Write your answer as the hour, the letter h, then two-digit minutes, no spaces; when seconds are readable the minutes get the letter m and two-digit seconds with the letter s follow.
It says 11h30m27s
